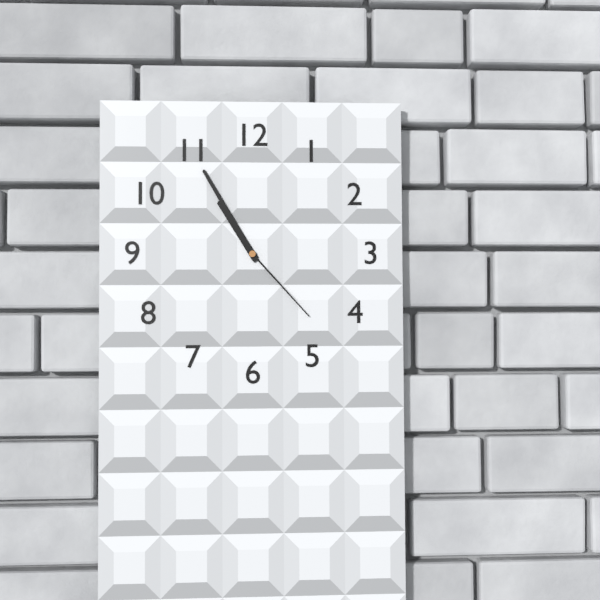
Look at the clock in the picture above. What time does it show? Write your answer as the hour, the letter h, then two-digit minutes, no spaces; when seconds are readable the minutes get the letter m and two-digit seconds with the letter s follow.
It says 10h55m23s
